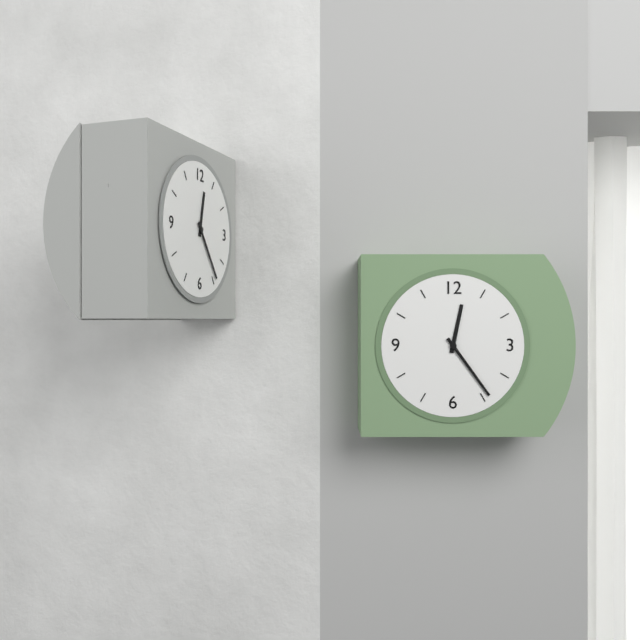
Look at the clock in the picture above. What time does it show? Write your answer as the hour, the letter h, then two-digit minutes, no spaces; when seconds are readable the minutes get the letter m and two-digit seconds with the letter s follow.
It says 12h24
